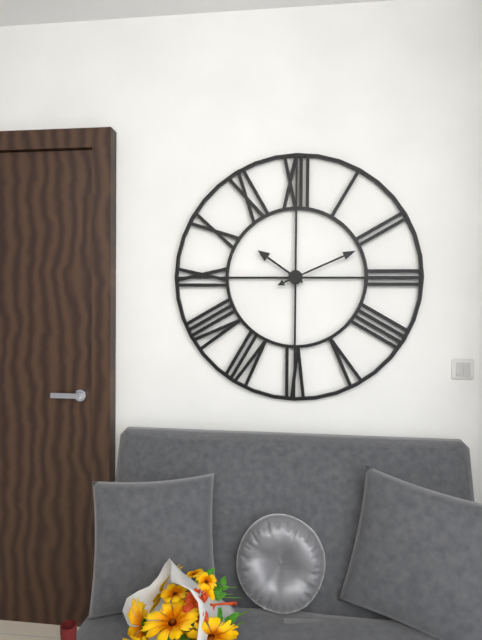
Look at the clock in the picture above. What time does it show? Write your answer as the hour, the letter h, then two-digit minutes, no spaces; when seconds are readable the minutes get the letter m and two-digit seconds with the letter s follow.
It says 10h11
